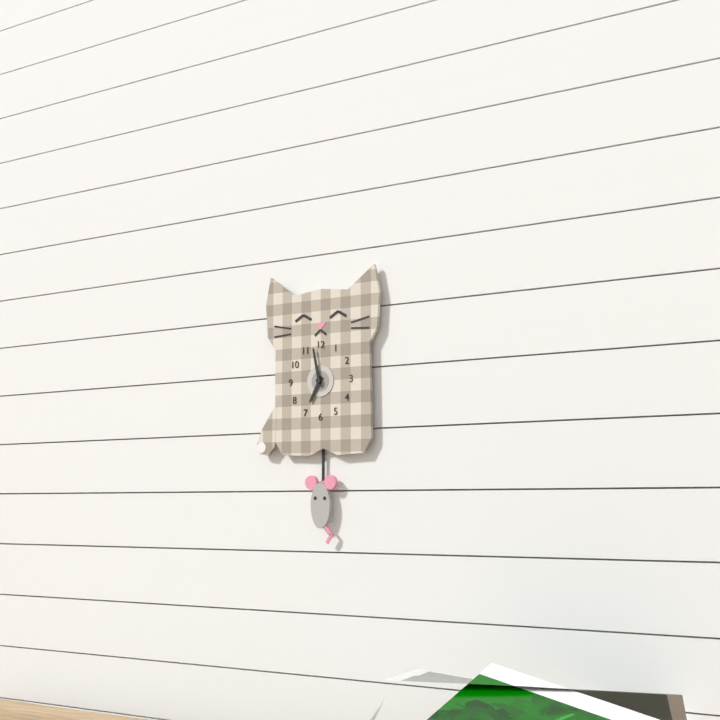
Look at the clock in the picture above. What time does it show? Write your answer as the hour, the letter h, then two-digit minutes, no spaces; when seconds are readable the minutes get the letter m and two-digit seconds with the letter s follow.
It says 6h58
